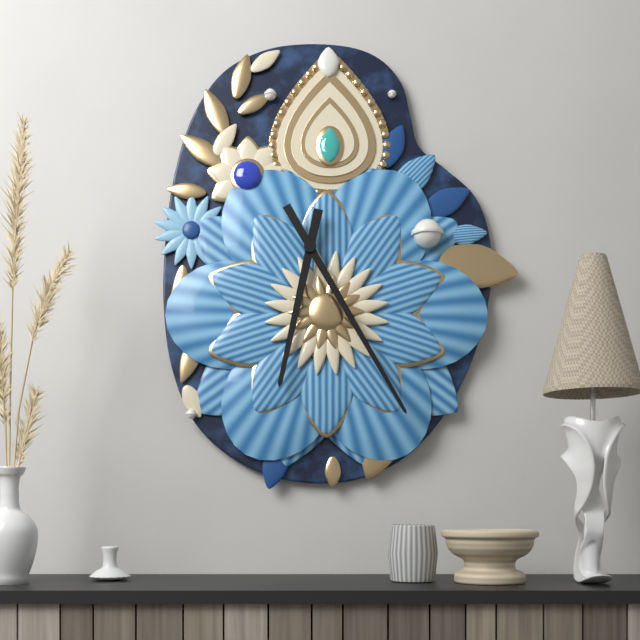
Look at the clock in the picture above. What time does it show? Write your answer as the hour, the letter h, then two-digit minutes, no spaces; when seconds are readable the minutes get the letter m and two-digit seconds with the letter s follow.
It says 6h25
